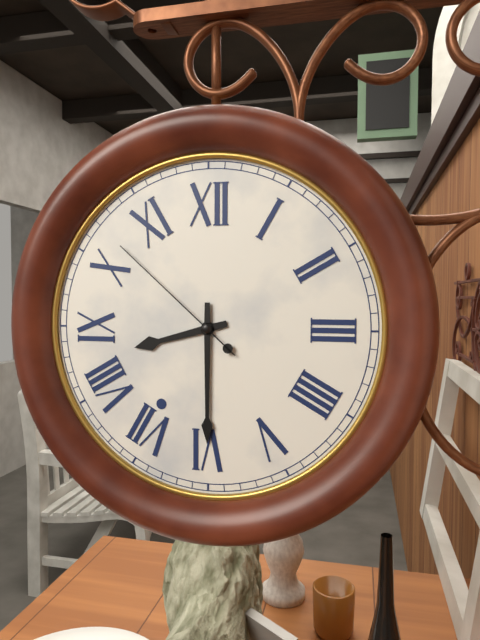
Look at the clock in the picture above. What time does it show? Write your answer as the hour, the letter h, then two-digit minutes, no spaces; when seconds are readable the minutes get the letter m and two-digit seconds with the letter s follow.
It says 8h30m52s
